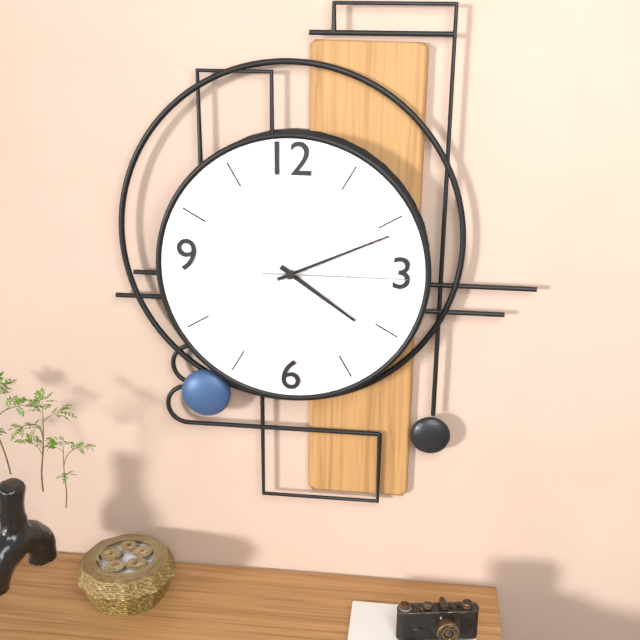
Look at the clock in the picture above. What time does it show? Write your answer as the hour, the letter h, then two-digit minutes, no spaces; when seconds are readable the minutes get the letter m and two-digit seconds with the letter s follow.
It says 4h11m15s
